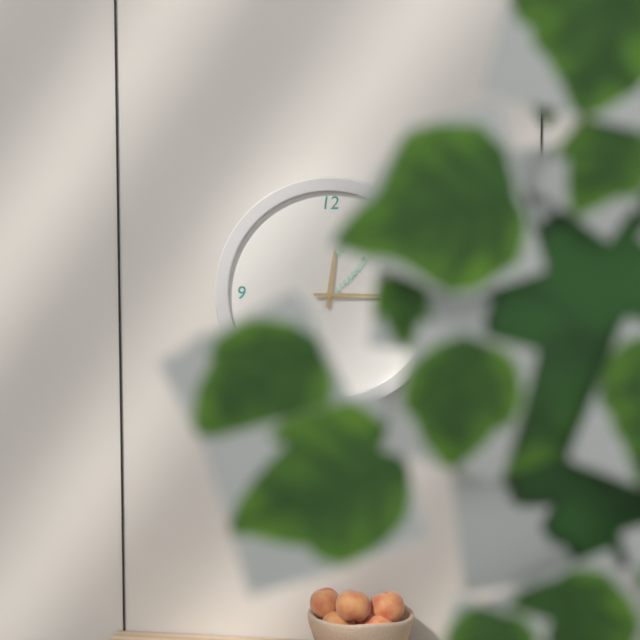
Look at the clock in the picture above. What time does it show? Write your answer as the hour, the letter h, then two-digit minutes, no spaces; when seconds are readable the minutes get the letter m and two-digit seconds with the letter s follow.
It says 12h15
